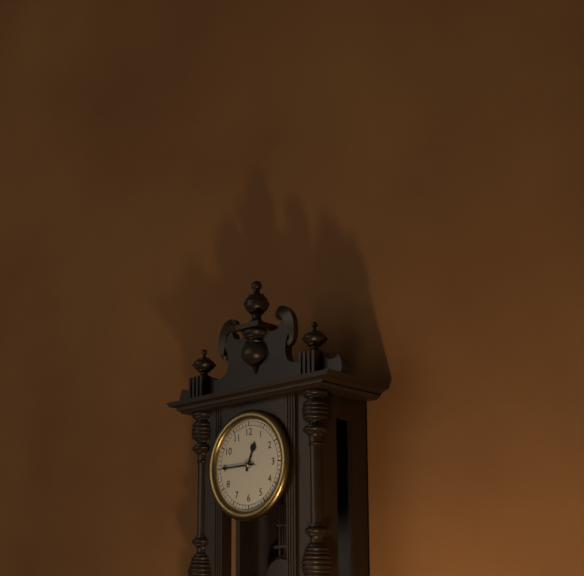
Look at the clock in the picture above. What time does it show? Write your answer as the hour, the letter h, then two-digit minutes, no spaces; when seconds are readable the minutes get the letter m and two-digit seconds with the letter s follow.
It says 12h45
